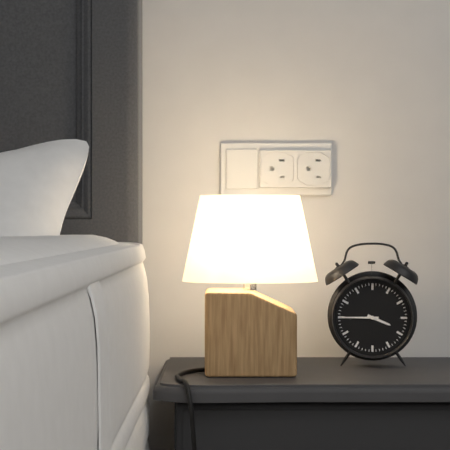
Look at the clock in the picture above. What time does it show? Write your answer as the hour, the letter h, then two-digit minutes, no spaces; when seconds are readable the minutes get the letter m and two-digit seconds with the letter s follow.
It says 3h45
